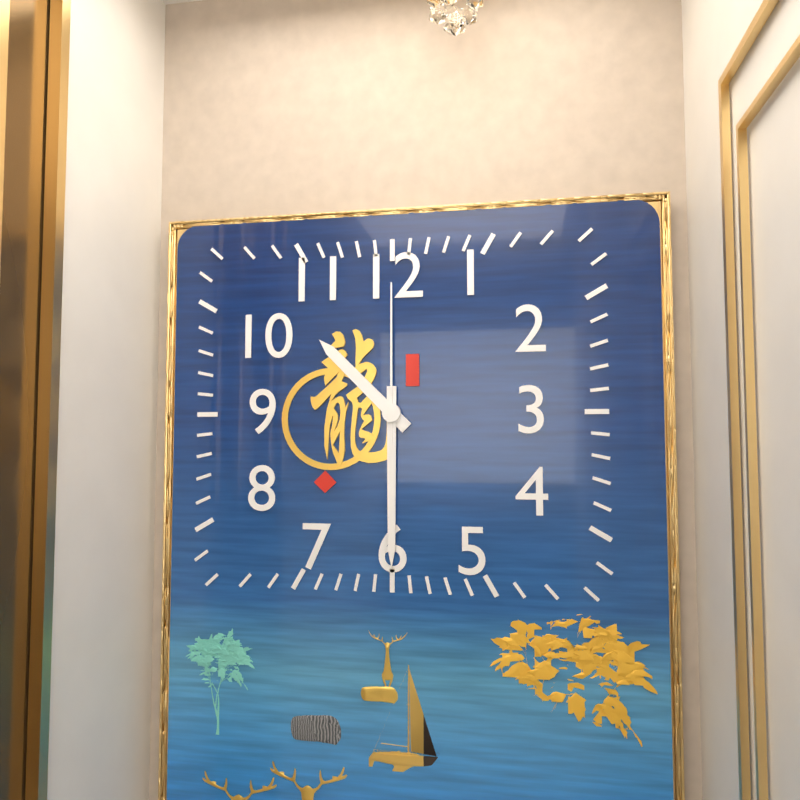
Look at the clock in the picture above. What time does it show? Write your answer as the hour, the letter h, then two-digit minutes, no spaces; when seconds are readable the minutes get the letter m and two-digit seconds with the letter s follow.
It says 10h30m00s
